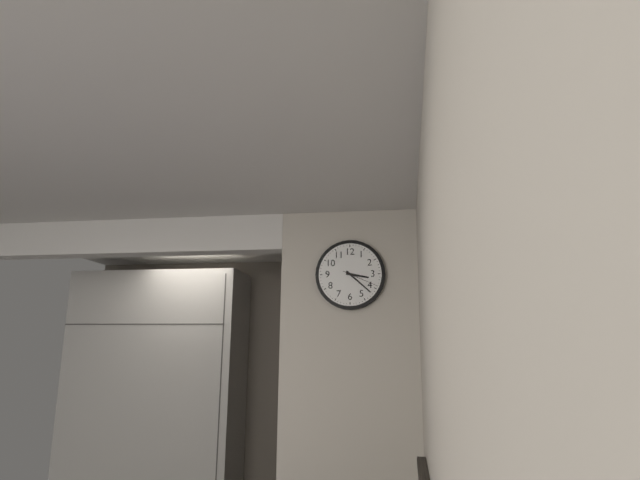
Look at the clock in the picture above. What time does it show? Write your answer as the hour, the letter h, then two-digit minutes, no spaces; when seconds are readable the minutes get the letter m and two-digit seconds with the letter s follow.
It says 3h22
